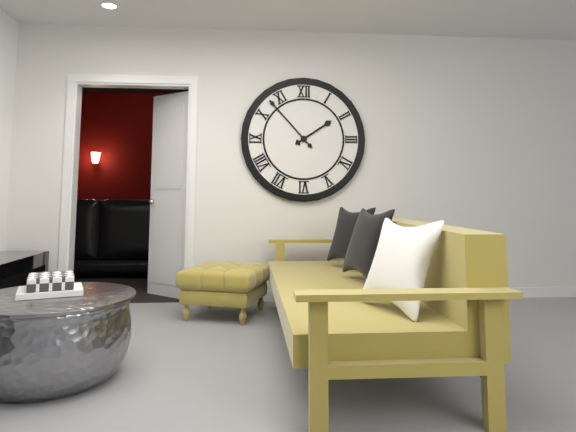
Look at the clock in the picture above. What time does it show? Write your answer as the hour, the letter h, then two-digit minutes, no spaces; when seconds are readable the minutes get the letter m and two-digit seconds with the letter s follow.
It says 1h53
